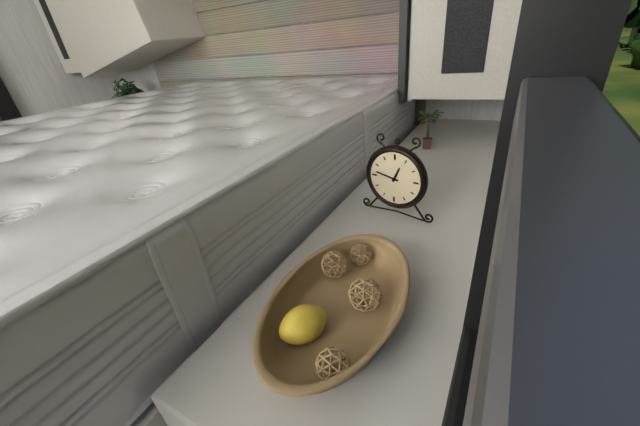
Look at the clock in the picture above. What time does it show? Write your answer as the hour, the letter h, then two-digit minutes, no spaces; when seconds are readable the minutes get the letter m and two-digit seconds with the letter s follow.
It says 12h47
